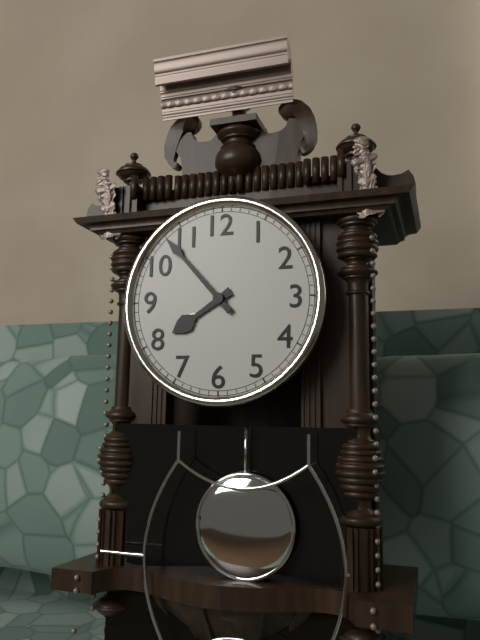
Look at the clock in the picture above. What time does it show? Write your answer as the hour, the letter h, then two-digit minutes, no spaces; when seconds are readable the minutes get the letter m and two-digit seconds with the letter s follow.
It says 7h53
